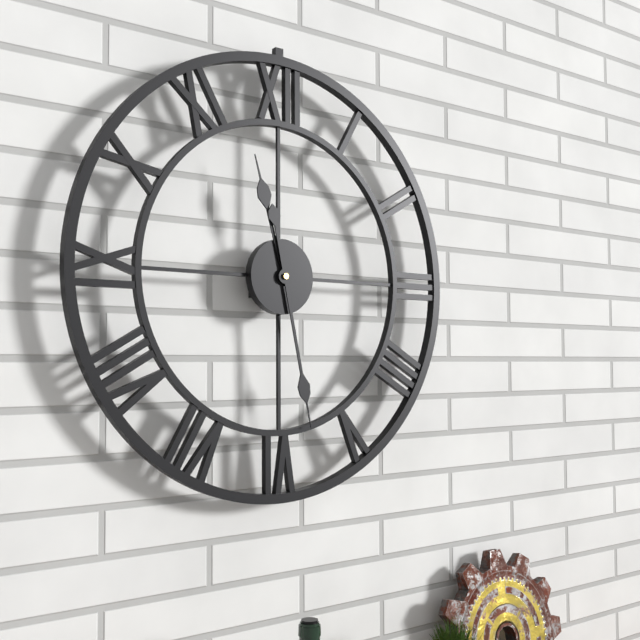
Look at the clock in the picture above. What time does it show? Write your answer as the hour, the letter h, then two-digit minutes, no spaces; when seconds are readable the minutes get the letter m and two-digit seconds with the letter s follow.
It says 11h28
